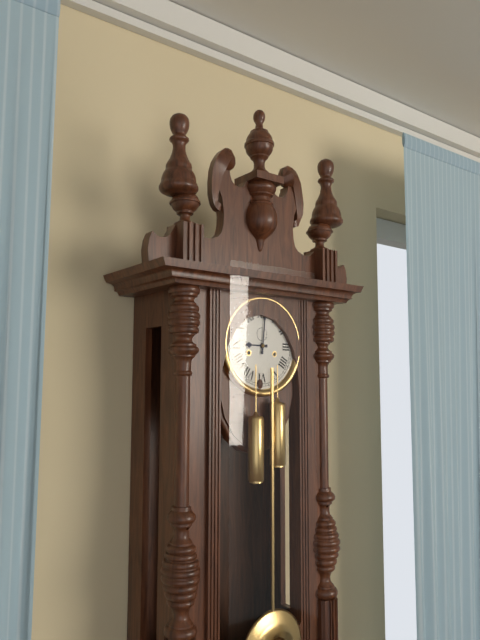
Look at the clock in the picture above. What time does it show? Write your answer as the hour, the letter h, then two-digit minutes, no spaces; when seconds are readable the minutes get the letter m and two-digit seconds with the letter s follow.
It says 9h01
